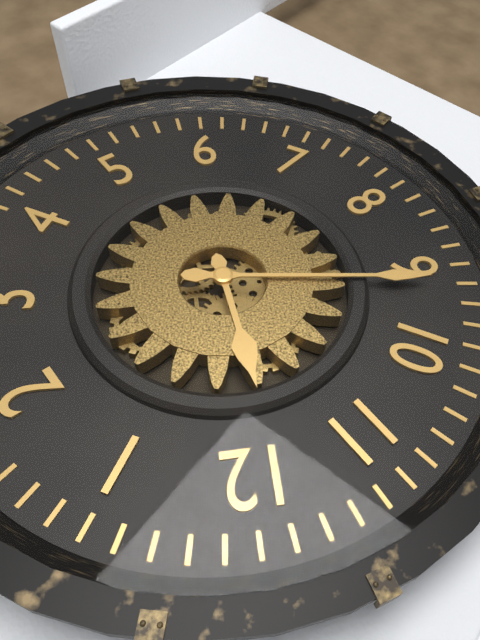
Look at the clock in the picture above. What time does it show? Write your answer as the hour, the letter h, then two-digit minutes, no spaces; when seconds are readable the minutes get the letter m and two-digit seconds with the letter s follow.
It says 11h46
